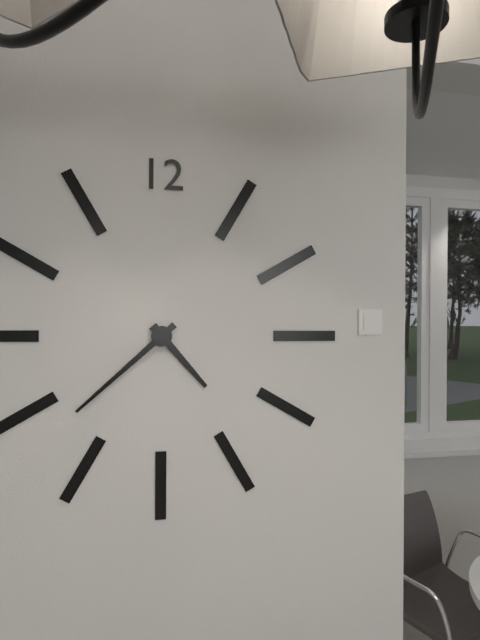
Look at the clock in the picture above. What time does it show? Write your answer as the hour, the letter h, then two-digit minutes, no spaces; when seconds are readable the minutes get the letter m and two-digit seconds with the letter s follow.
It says 4h38
